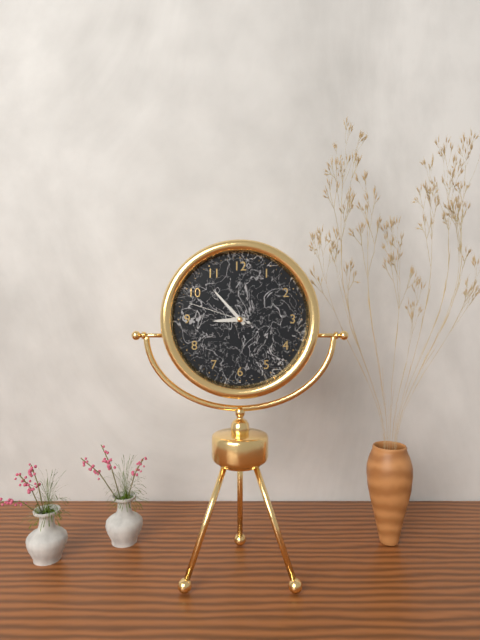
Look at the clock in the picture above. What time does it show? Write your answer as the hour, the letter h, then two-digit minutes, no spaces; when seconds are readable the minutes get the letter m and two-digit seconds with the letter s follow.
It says 8h53m48s
